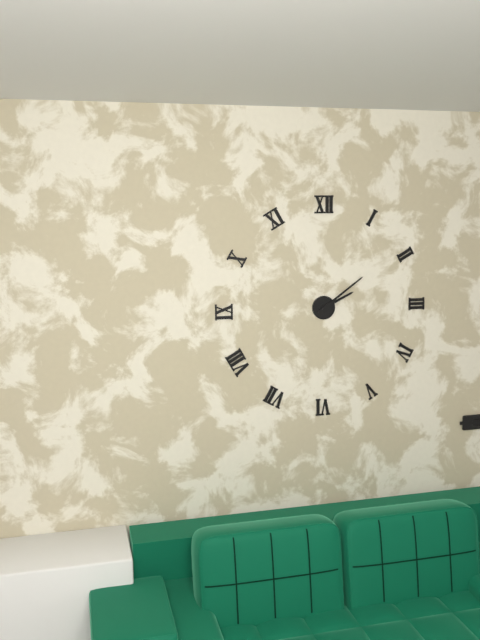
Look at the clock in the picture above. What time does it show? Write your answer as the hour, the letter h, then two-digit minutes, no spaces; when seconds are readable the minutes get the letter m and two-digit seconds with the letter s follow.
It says 2h09
